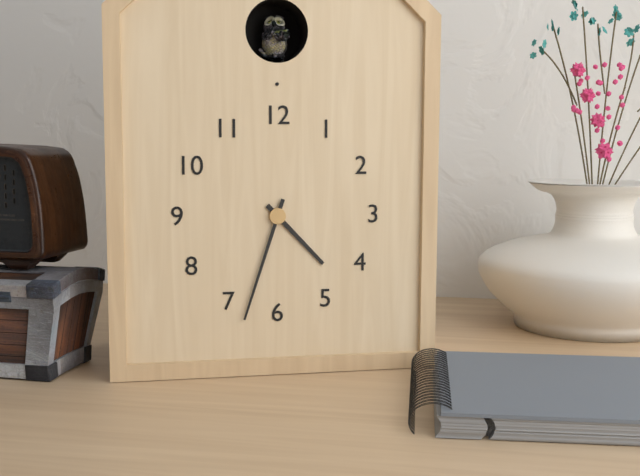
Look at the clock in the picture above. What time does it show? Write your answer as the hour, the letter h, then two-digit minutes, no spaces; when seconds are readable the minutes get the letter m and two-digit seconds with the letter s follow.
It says 4h33
